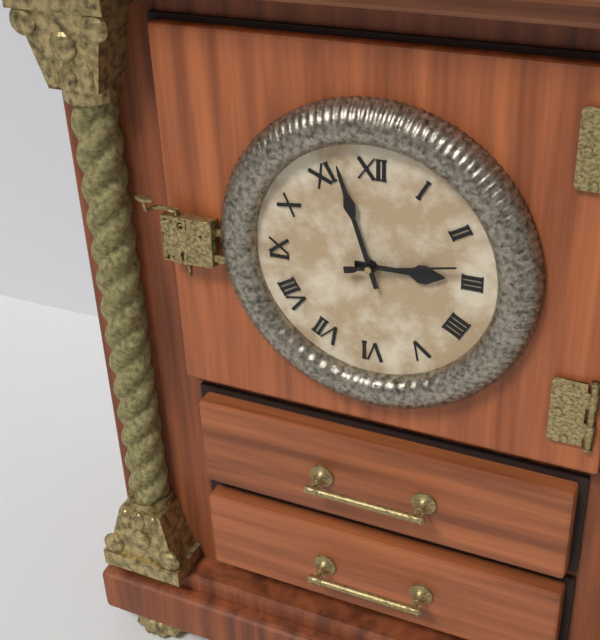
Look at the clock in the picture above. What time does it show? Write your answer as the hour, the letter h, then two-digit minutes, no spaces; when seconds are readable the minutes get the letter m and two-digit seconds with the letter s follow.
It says 2h57m13s
